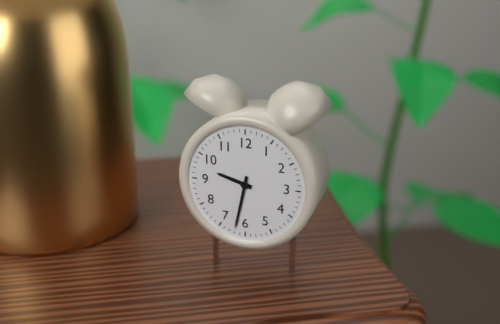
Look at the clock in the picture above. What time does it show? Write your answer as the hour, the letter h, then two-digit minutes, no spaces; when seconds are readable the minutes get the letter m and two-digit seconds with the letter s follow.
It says 9h32
